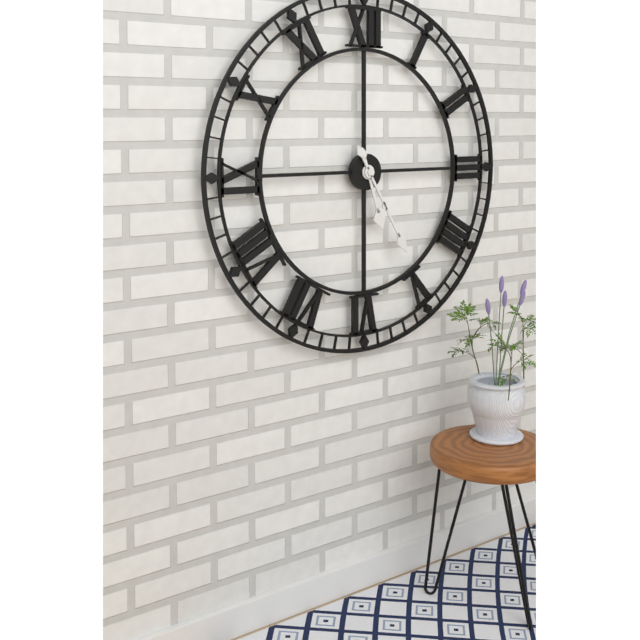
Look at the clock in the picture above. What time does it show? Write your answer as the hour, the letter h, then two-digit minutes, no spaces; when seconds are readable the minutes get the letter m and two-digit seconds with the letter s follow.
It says 5h25
